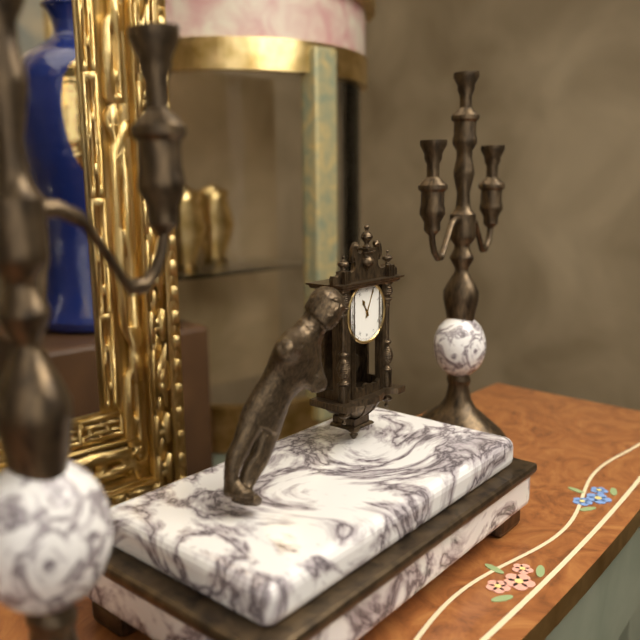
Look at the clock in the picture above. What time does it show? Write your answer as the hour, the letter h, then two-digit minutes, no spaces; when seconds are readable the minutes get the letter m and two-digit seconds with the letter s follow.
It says 11h04
